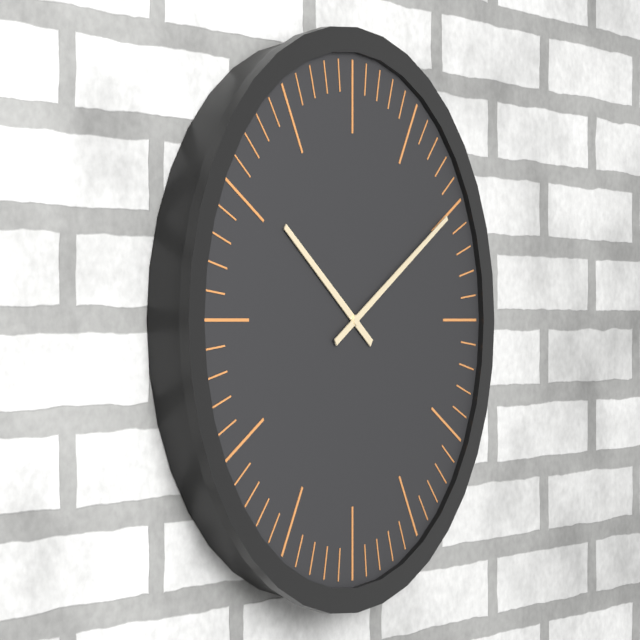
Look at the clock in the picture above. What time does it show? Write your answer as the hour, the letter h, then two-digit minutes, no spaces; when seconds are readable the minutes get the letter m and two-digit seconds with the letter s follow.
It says 10h10
